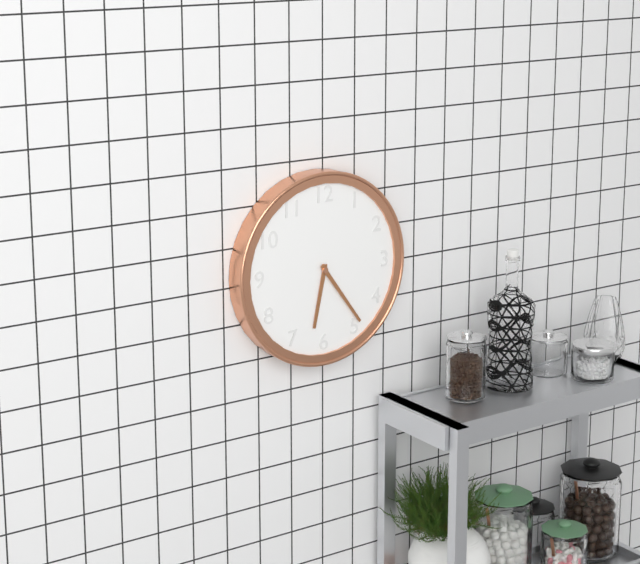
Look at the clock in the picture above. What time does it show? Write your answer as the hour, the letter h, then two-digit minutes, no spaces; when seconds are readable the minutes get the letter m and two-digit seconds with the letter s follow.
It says 6h24
